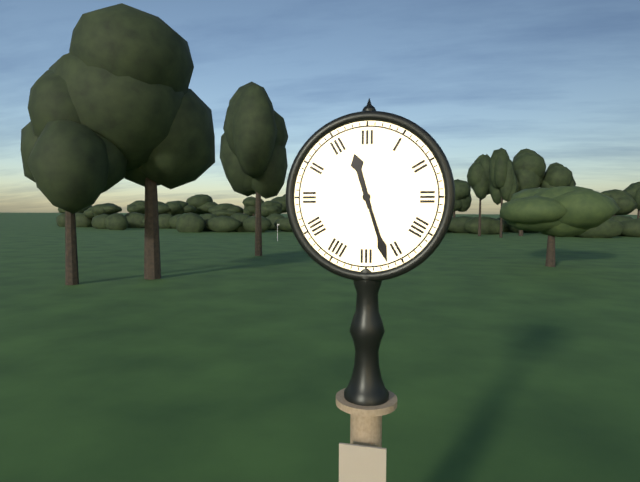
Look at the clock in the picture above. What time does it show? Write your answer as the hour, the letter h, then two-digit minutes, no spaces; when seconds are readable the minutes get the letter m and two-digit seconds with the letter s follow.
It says 11h27
